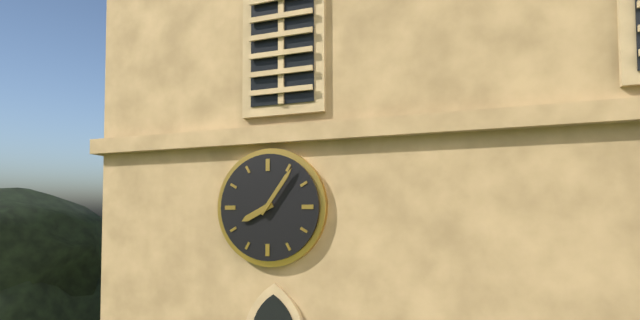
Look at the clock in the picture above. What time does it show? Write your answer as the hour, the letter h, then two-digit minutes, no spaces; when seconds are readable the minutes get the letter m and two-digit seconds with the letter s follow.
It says 8h06
